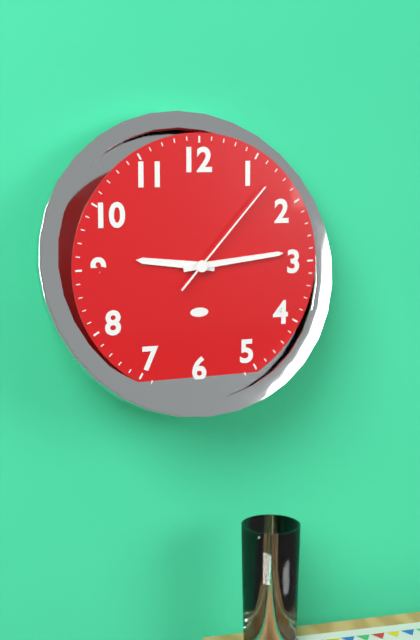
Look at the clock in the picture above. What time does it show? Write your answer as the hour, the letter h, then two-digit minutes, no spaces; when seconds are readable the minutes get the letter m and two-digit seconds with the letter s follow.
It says 9h14m07s
